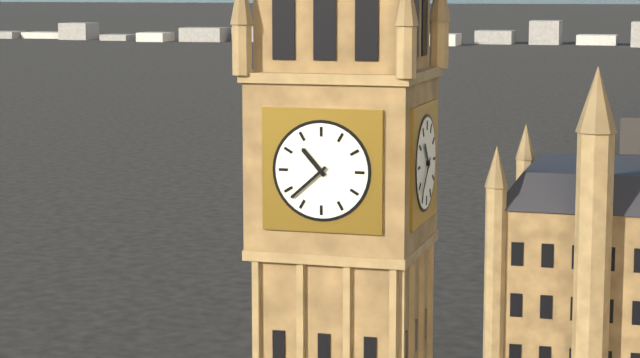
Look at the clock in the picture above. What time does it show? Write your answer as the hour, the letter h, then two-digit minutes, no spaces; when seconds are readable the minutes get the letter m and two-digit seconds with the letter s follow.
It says 10h38
